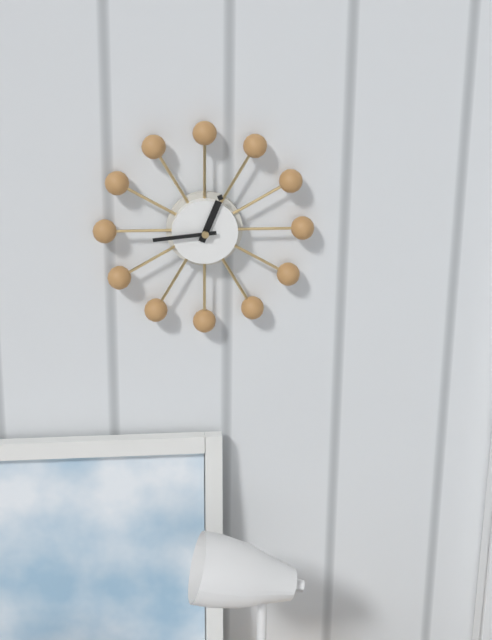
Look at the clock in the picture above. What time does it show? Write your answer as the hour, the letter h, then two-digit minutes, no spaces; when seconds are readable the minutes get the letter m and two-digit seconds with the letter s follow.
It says 12h44
